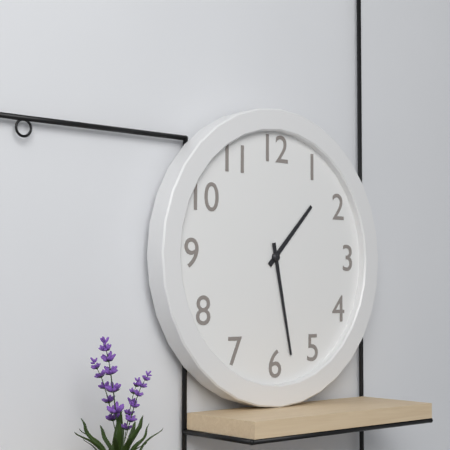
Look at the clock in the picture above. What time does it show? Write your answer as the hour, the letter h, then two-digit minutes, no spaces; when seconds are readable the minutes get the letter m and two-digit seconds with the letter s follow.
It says 1h28
